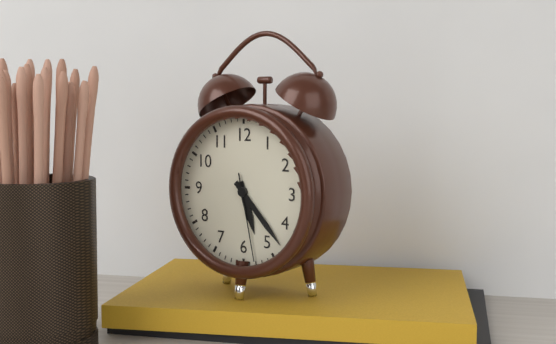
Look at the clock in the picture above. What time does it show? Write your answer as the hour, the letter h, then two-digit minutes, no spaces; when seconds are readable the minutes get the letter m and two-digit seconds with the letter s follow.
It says 5h23m28s
